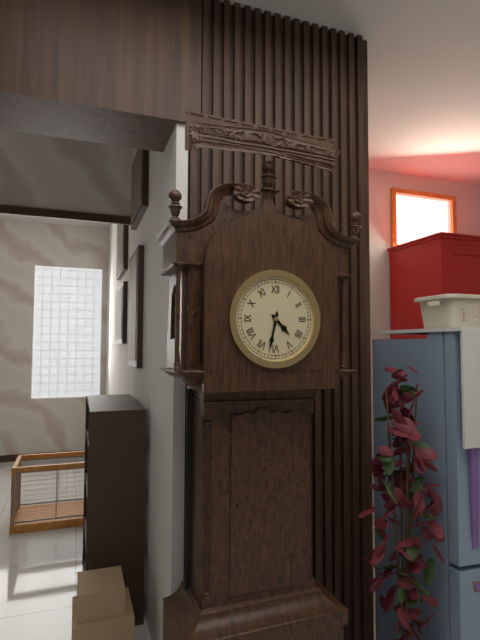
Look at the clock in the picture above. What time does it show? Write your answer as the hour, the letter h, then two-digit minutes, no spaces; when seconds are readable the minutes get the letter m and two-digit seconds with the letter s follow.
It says 4h32
